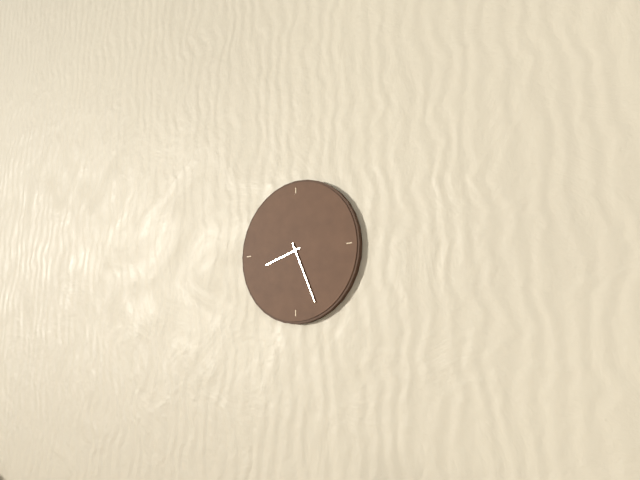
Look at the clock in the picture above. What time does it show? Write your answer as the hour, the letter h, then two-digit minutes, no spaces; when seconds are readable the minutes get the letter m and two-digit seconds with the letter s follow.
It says 8h26
